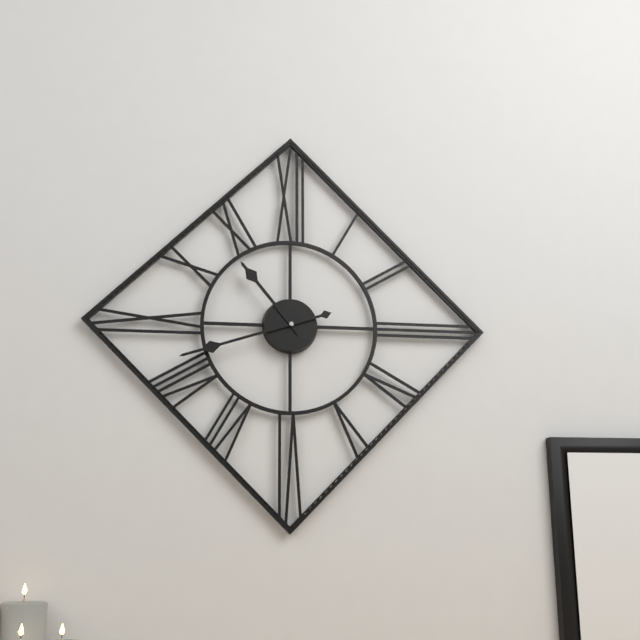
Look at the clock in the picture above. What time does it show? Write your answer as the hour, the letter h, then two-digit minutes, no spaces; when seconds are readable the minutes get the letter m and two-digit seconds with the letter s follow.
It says 10h42
